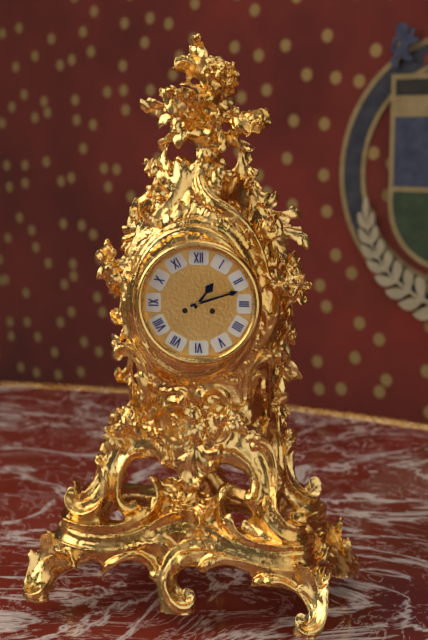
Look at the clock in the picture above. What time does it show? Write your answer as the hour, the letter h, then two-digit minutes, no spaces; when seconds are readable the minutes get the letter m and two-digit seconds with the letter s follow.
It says 1h12
